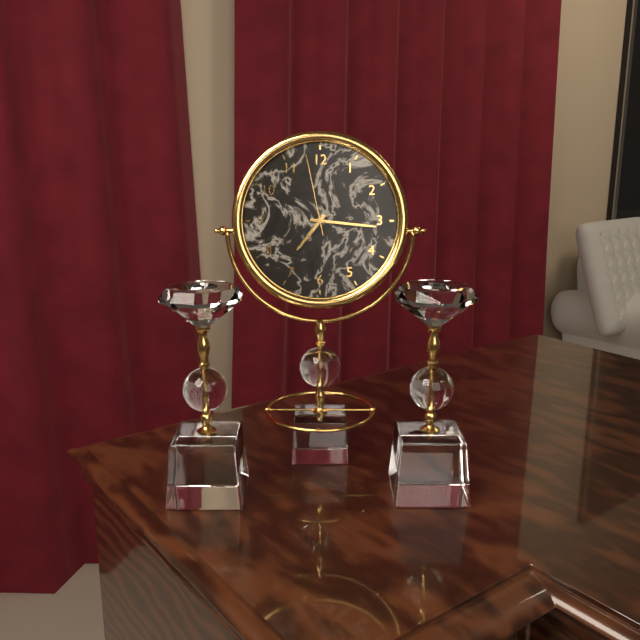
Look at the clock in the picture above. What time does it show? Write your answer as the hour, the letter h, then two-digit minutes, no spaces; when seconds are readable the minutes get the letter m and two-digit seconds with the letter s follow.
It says 7h16m58s
